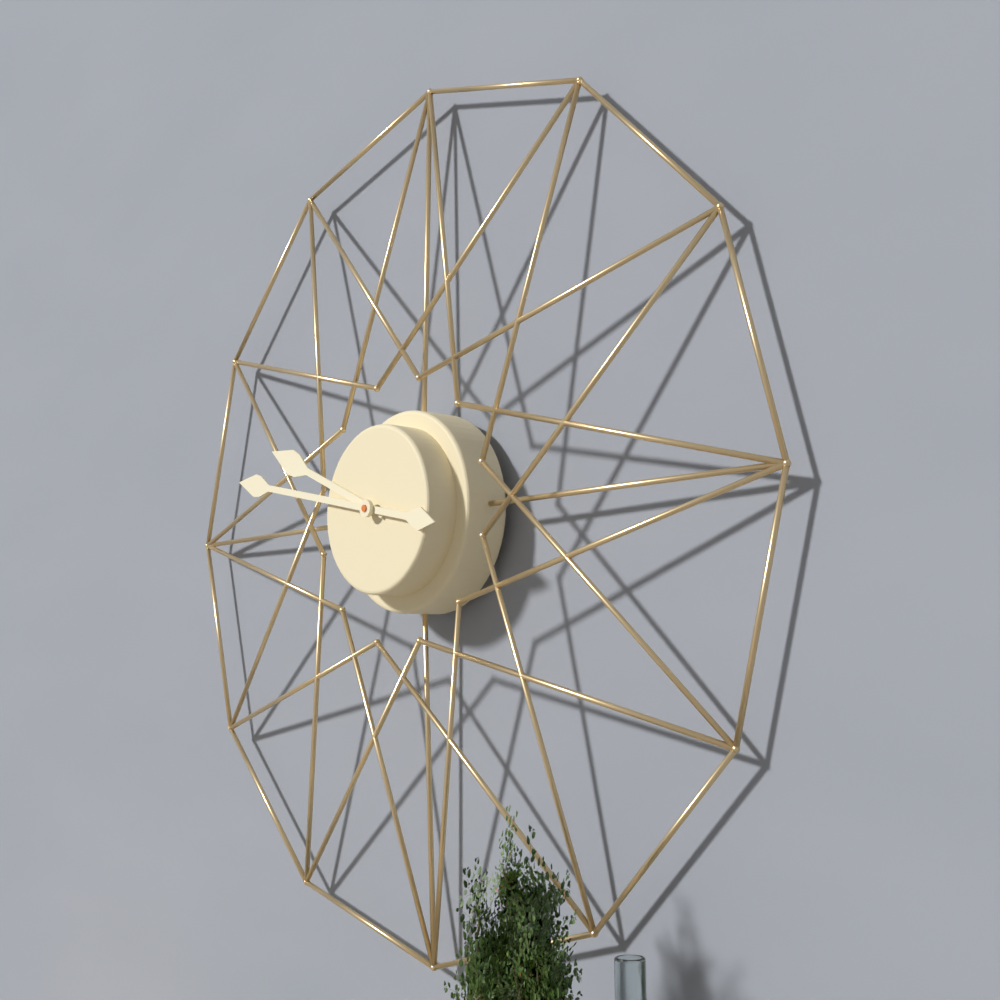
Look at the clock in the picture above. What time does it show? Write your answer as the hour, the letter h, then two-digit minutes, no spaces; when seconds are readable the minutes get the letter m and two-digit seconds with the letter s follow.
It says 9h47
